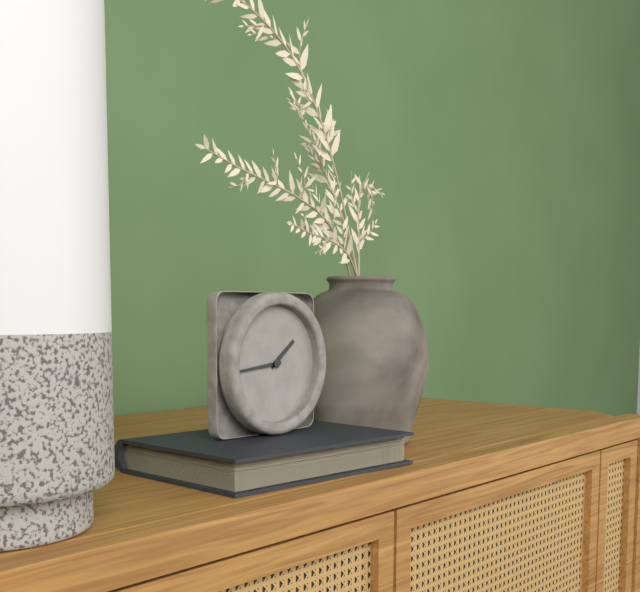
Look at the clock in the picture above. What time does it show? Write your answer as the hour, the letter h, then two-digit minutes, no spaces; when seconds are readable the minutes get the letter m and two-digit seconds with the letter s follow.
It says 1h44
